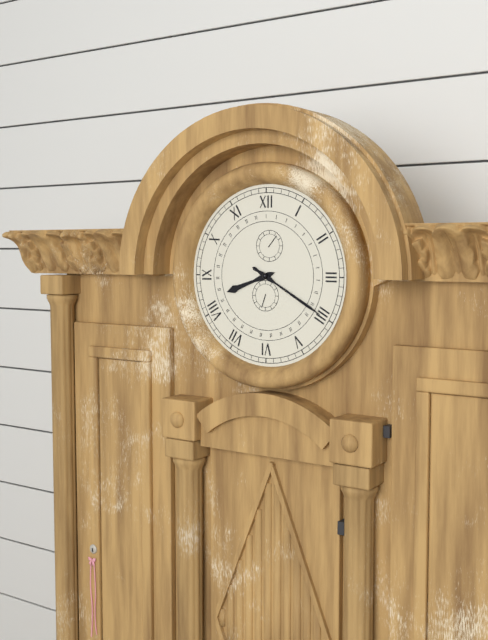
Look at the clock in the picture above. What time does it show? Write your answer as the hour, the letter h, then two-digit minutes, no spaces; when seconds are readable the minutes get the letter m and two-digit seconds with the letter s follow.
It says 8h20
